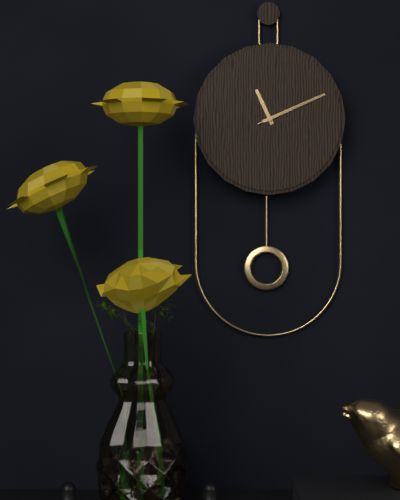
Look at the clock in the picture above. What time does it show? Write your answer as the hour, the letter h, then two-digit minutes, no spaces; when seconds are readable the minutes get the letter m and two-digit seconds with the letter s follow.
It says 11h11m11s
